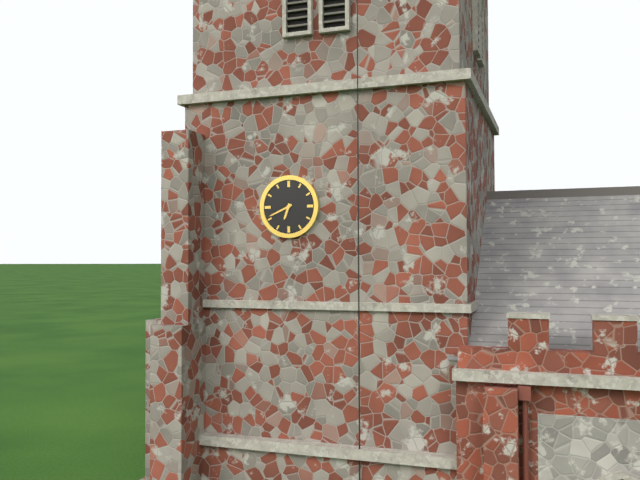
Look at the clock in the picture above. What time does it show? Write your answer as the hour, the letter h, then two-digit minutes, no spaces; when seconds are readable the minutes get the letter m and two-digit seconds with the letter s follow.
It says 6h41
